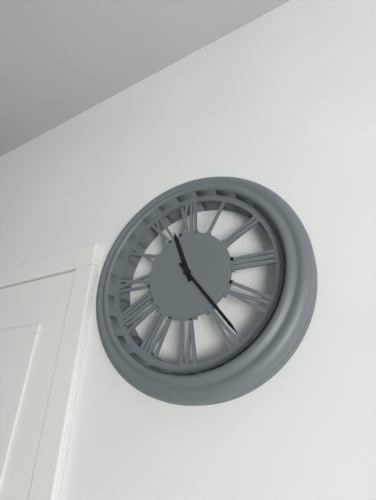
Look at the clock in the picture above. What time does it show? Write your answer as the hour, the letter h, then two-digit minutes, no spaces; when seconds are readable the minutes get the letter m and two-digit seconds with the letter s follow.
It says 11h24
